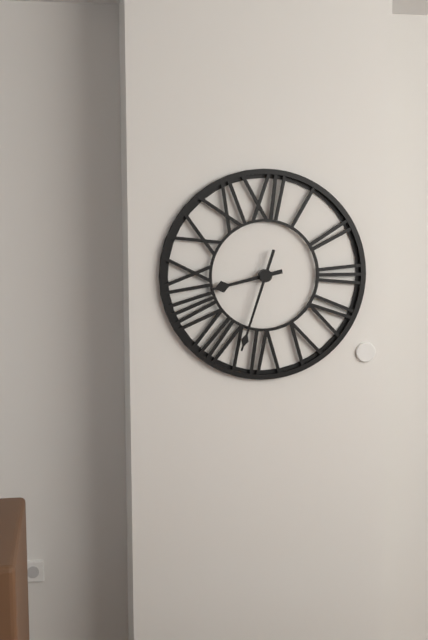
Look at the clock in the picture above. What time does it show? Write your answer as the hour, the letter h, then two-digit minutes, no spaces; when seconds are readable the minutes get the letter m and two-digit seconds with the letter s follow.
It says 8h33
